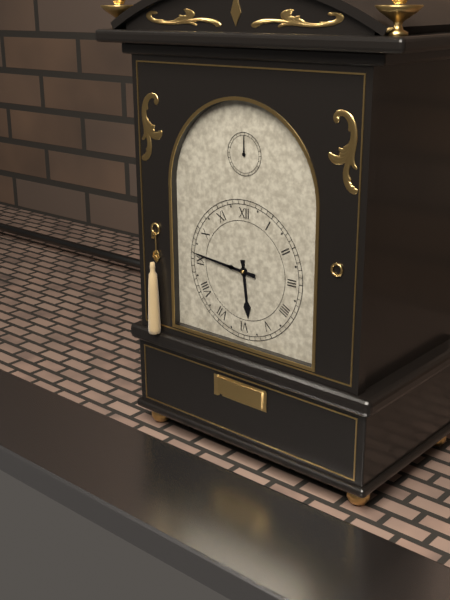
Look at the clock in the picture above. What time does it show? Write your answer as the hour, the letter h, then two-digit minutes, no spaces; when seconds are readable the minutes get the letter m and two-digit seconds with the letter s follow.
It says 5h46
